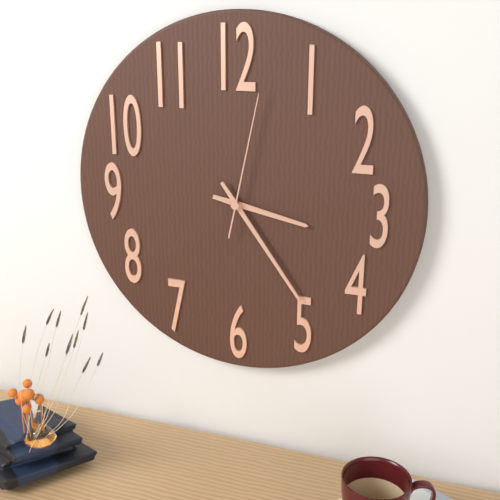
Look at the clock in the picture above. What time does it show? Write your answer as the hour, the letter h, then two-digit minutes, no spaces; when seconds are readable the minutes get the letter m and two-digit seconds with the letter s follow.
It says 3h24m02s
